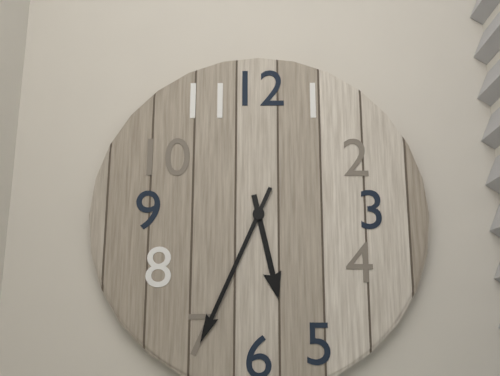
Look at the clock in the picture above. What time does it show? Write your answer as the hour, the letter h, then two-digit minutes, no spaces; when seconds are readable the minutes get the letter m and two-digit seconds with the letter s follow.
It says 5h34
